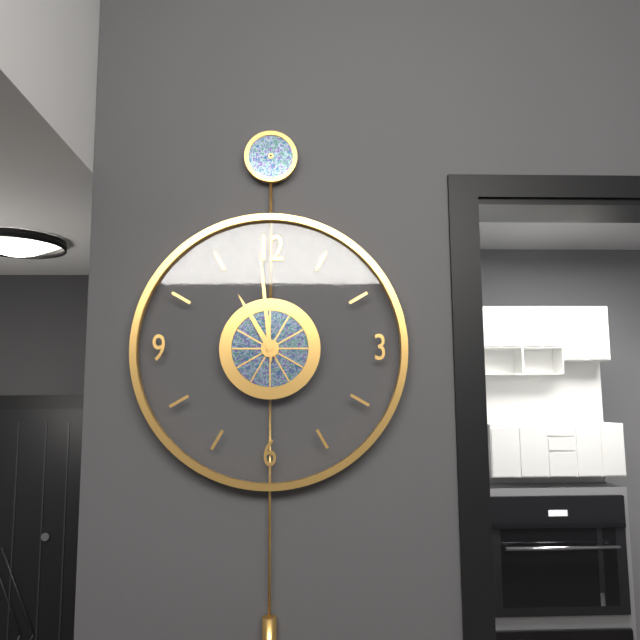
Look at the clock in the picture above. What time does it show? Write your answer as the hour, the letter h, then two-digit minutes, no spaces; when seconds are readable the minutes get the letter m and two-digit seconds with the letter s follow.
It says 10h59
